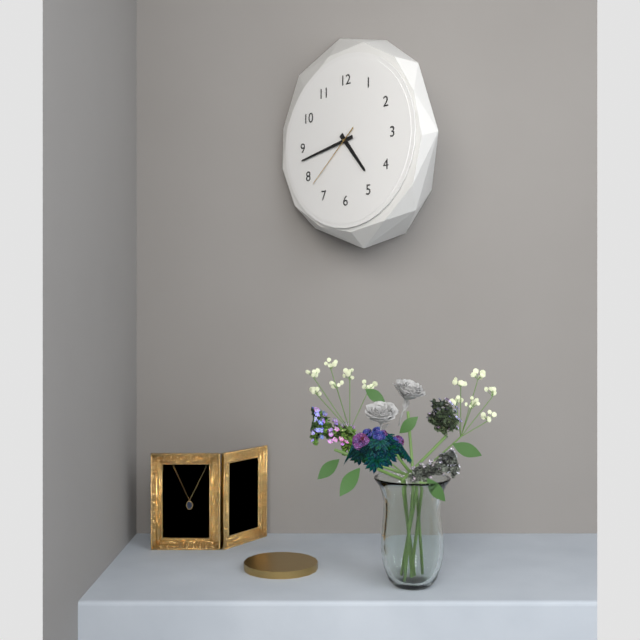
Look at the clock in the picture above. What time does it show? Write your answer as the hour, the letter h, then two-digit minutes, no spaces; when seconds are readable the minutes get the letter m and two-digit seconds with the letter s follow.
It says 4h43m38s
